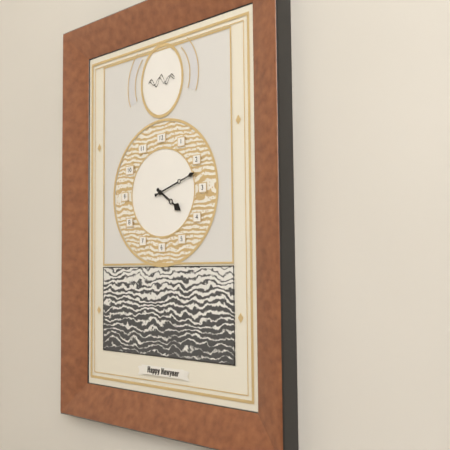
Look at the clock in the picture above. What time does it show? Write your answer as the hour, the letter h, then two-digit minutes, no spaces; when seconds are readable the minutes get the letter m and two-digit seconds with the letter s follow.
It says 4h12
